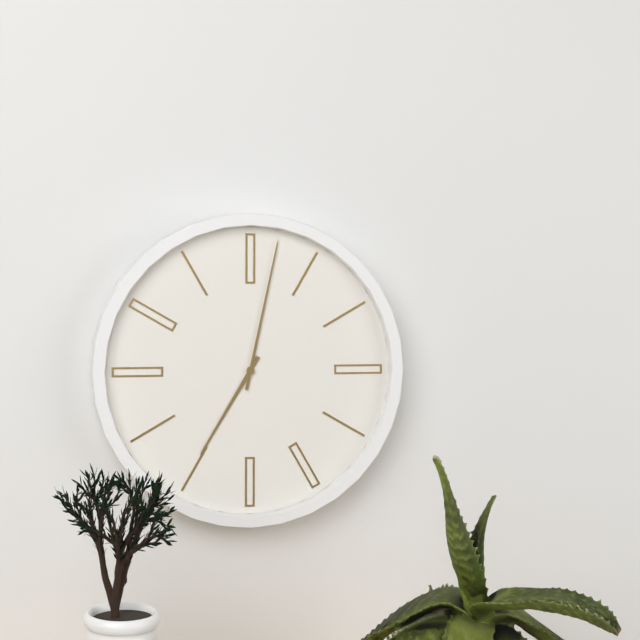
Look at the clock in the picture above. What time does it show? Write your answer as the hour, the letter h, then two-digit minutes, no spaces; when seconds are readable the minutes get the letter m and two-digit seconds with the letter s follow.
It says 7h02
